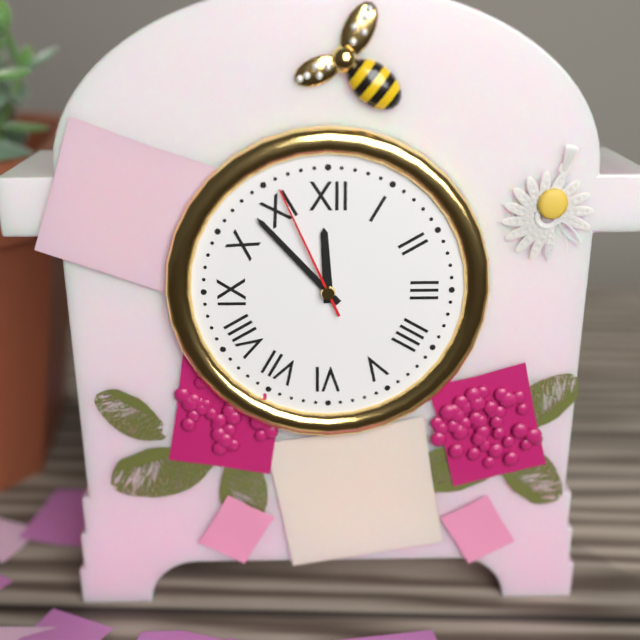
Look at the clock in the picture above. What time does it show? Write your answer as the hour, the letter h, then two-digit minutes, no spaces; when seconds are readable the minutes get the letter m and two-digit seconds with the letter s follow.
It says 11h53m56s
